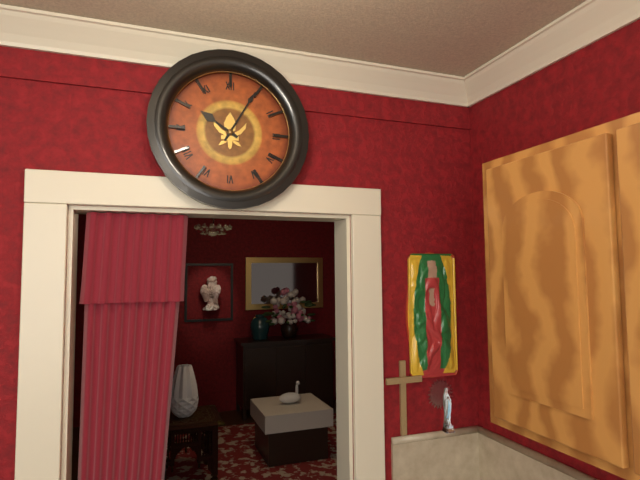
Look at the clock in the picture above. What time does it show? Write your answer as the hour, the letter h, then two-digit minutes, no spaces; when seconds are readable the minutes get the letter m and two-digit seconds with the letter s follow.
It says 10h05
